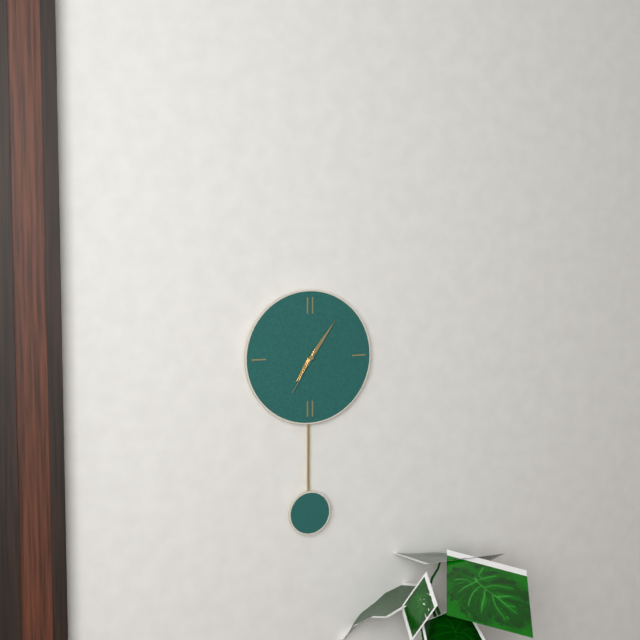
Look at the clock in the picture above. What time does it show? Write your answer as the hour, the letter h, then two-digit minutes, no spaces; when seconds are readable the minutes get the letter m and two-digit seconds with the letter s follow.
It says 7h06
